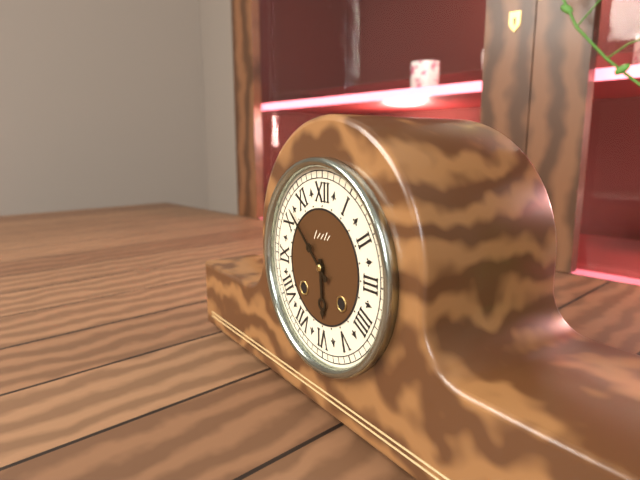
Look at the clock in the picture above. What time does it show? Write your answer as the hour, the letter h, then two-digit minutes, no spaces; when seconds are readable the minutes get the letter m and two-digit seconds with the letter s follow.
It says 5h52
